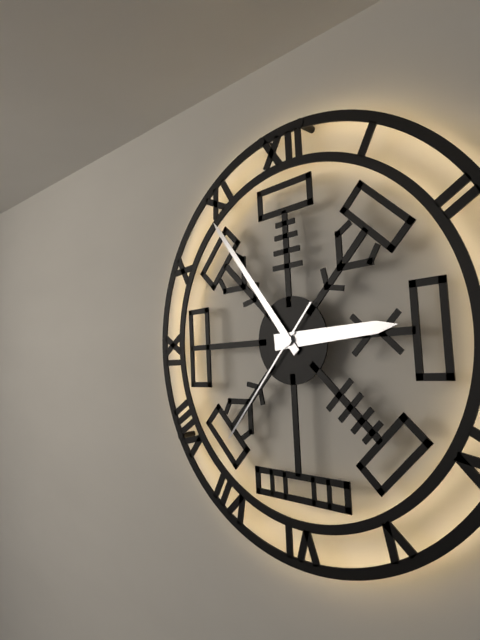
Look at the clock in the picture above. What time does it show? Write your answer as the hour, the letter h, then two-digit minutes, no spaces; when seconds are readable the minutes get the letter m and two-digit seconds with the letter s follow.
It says 2h54m37s
